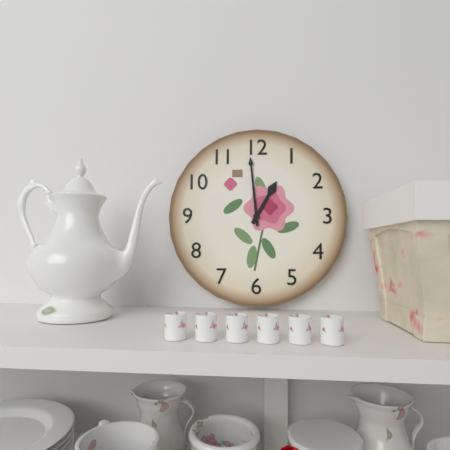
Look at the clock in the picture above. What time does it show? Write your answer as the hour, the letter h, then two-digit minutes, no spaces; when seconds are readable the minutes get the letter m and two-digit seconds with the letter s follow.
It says 12h59
